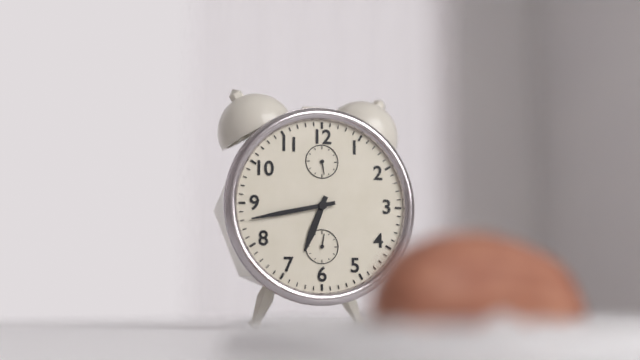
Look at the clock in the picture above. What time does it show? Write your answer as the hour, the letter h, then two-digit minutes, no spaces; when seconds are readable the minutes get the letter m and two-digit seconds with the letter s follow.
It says 6h43
